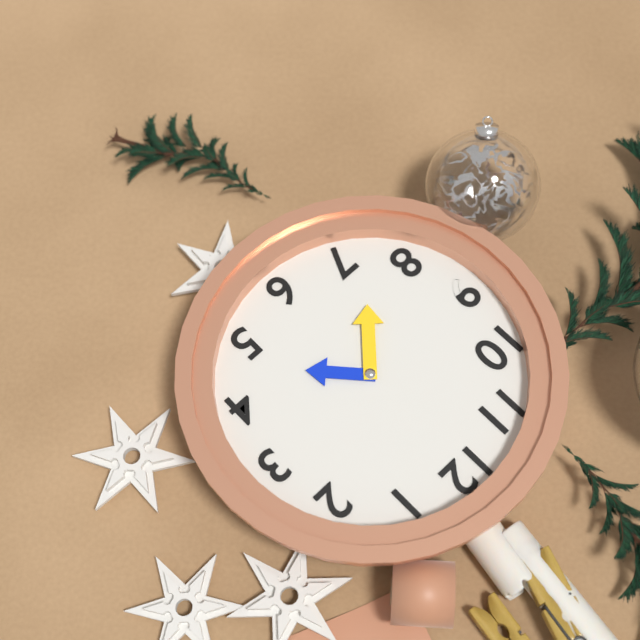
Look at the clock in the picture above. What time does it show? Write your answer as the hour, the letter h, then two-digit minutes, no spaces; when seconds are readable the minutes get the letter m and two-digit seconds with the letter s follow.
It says 4h37
